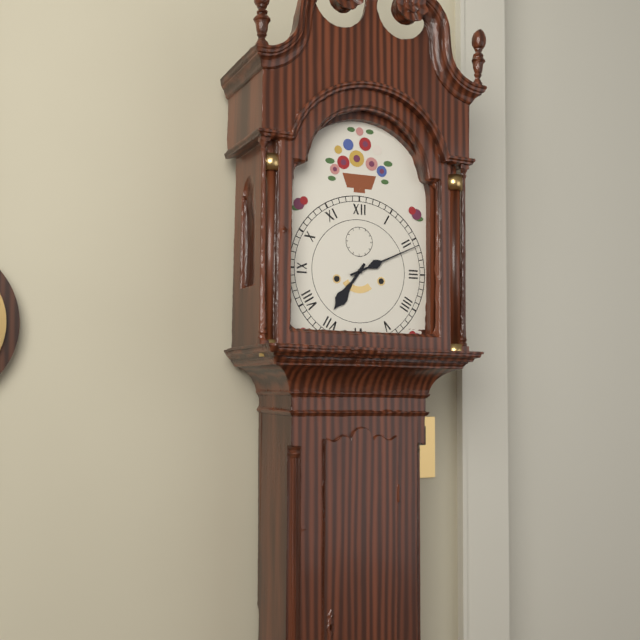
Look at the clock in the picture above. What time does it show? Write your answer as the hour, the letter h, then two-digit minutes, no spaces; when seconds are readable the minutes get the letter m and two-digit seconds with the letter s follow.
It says 7h11
